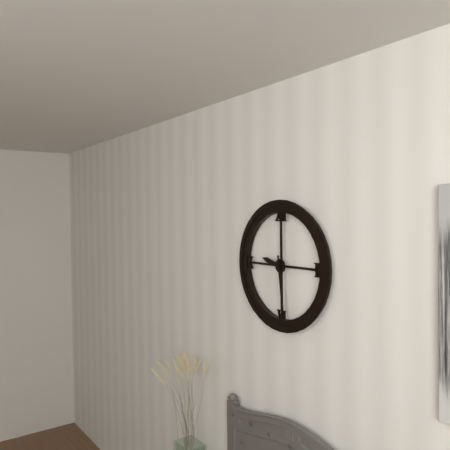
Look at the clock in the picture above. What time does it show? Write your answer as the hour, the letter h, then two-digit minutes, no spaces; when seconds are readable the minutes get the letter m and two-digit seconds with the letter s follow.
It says 9h29
